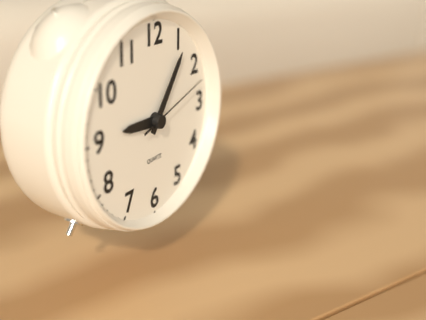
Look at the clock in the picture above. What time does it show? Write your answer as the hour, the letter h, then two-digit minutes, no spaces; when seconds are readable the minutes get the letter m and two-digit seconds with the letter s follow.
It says 9h06m12s
